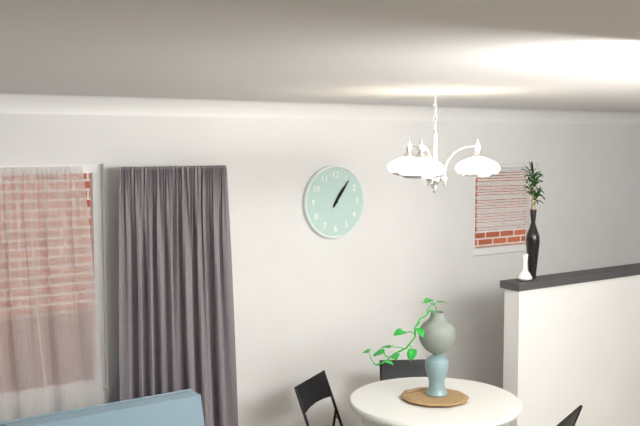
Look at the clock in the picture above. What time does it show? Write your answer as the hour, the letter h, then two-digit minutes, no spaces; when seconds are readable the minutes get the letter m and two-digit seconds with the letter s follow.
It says 1h06
